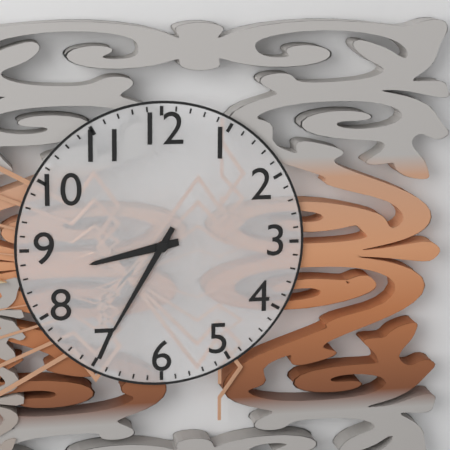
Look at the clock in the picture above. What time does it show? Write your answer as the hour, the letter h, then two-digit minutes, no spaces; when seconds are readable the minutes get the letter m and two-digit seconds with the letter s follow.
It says 8h35
